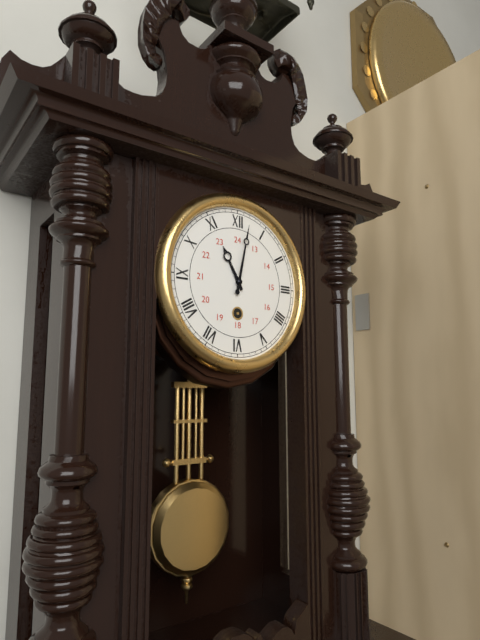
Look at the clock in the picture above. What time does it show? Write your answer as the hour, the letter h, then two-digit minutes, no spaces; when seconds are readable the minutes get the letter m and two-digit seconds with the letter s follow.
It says 11h02
